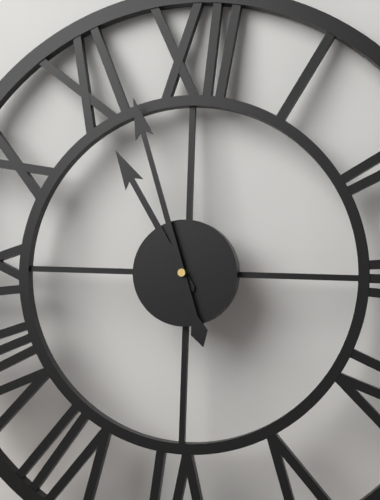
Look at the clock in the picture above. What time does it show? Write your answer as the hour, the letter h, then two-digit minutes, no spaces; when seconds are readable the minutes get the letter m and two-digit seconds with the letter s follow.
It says 10h57
